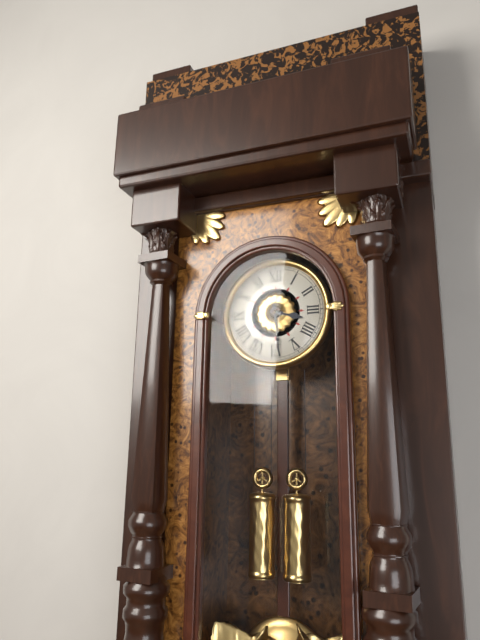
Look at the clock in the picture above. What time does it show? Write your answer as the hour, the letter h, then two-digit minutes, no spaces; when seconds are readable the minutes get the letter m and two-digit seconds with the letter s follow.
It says 3h29
